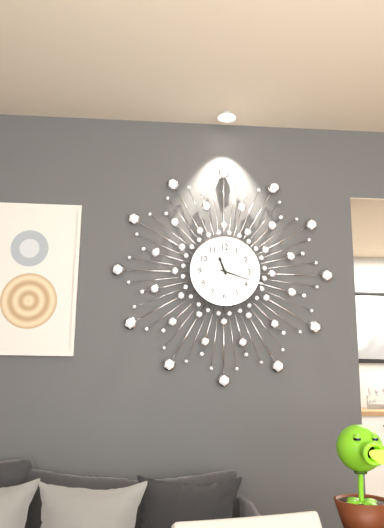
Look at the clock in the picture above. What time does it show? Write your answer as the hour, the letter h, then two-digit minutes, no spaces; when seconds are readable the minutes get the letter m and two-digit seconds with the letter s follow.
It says 11h18
